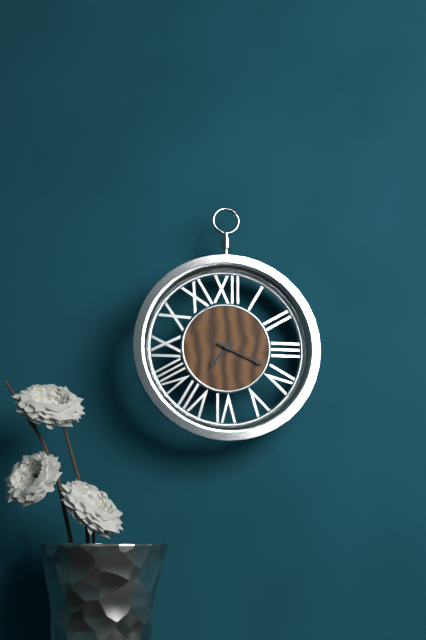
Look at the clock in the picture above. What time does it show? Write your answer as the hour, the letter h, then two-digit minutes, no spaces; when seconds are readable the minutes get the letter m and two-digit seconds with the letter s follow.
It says 7h19
